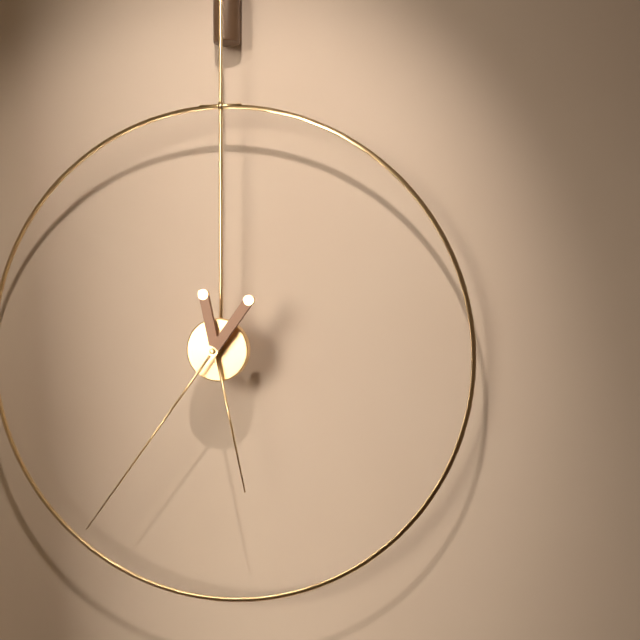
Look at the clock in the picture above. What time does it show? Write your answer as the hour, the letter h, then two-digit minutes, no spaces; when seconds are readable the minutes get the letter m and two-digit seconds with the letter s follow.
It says 5h36
